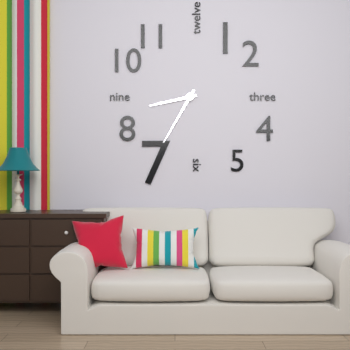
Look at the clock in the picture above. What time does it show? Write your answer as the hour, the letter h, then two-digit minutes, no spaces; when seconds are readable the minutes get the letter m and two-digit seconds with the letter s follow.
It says 8h35
